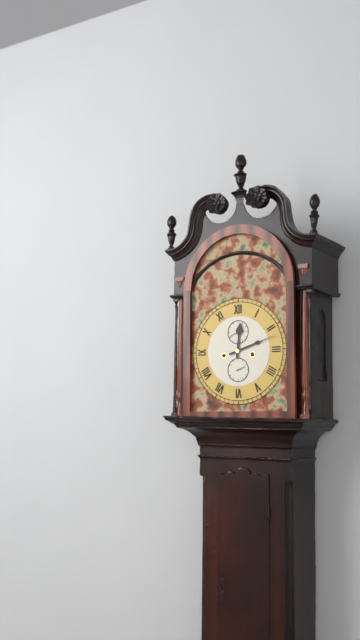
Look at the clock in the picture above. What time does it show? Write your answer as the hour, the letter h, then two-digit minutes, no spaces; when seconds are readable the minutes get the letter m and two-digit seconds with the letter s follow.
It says 12h12
